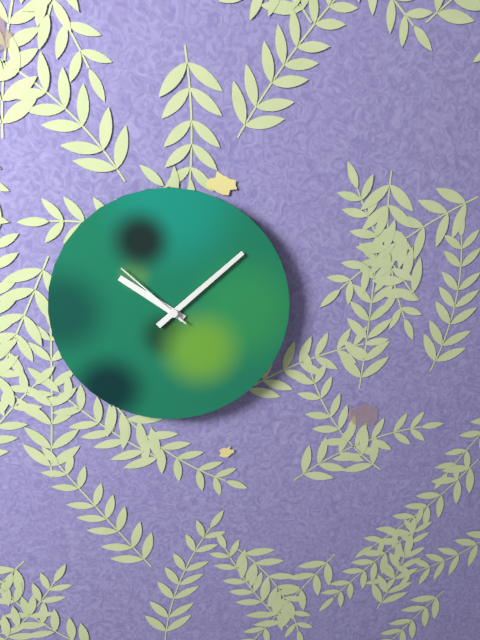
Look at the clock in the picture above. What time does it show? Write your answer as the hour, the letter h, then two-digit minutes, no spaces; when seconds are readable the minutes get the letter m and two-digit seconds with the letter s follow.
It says 10h08m52s
